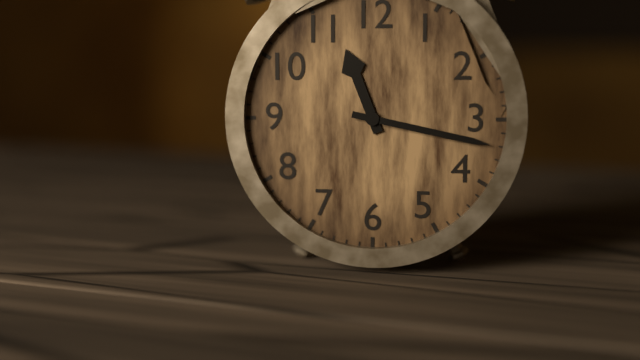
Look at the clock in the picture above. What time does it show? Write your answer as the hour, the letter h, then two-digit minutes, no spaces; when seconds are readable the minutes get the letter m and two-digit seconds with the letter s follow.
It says 11h17
